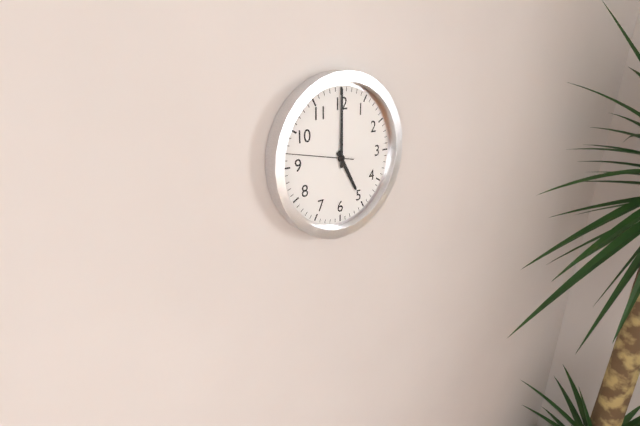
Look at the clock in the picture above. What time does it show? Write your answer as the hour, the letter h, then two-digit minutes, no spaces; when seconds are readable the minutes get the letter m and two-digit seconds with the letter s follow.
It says 5h00m47s
